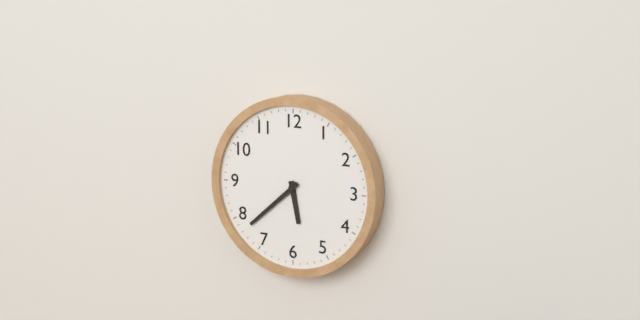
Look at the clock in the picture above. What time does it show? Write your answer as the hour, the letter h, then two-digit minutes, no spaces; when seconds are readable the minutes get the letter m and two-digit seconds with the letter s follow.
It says 5h38
